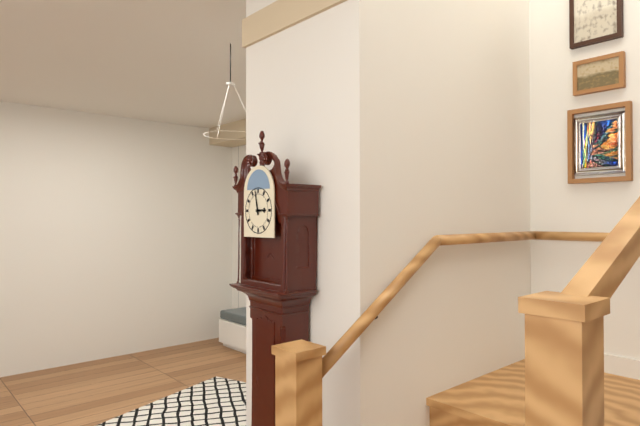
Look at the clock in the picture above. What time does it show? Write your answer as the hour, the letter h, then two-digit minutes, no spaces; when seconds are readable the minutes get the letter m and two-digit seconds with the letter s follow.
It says 2h58
